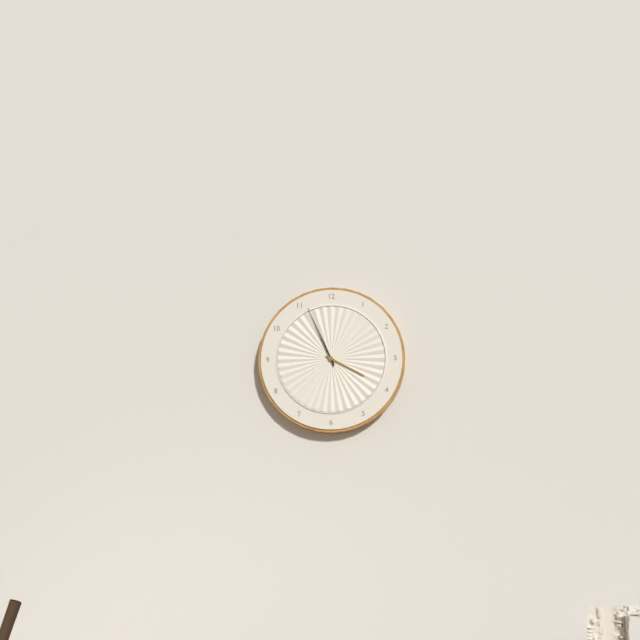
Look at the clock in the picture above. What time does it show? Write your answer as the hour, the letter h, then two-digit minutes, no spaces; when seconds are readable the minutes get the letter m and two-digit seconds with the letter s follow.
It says 3h56
